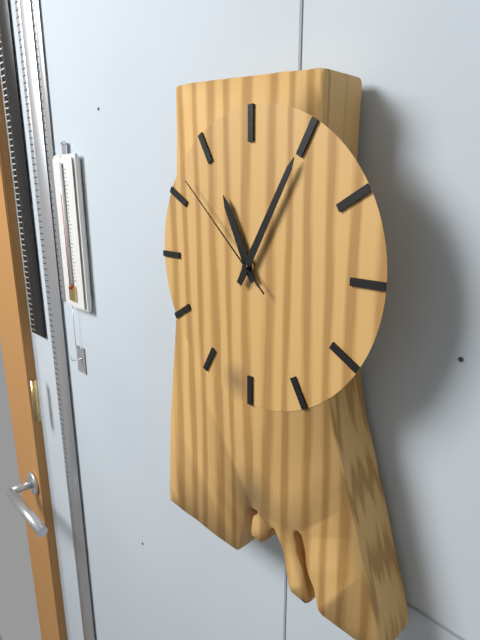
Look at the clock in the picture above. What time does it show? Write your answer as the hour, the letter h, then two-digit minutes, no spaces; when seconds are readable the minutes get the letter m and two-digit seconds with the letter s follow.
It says 11h05m52s
